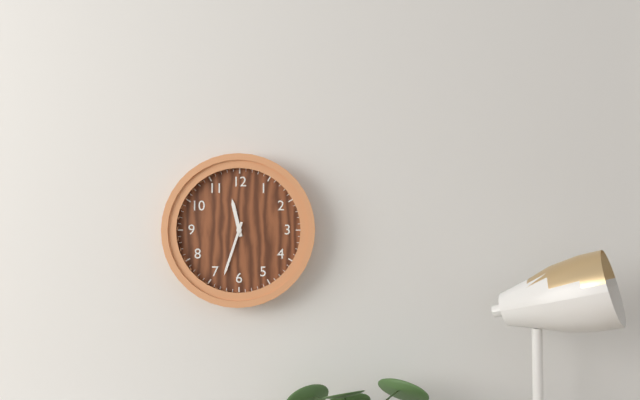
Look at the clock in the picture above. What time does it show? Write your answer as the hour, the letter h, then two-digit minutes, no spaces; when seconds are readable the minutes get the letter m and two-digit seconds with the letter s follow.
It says 11h33
